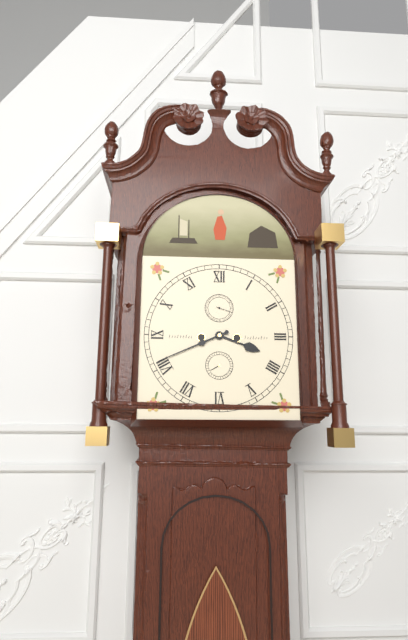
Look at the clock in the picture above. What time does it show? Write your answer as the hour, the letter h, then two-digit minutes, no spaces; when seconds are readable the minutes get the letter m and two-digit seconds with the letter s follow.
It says 3h41
